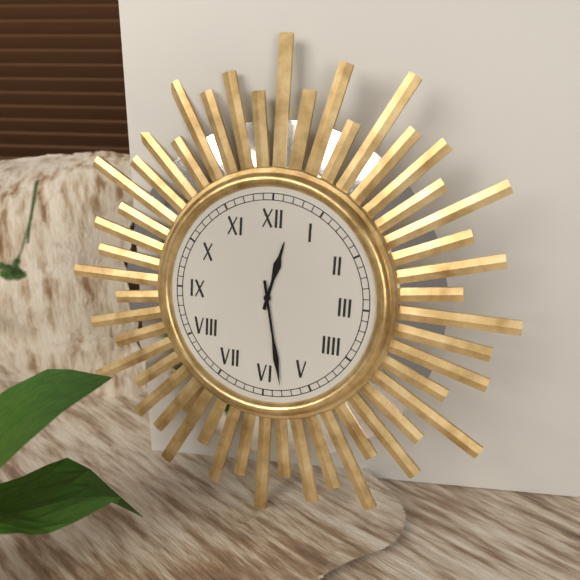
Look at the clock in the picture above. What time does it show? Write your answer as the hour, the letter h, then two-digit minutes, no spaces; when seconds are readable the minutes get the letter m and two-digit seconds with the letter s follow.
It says 12h28
